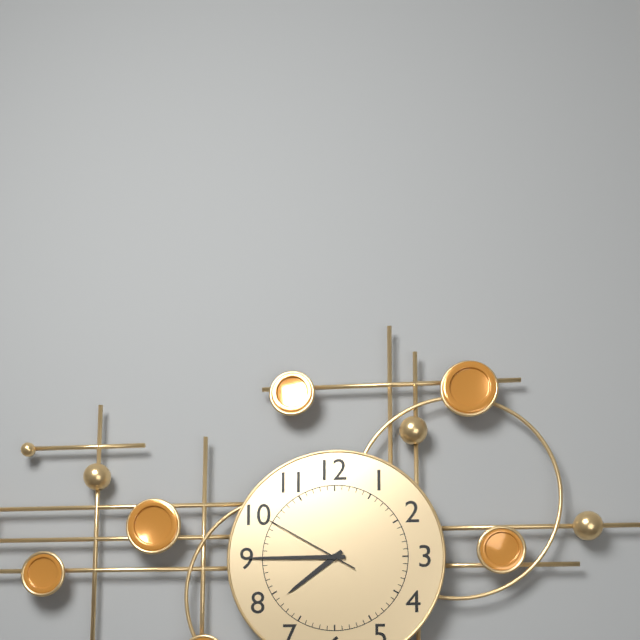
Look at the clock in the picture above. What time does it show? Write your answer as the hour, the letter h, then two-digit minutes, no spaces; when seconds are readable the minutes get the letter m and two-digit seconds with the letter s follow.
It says 7h45m50s
